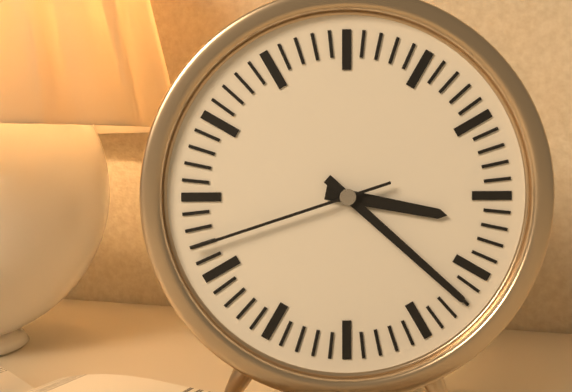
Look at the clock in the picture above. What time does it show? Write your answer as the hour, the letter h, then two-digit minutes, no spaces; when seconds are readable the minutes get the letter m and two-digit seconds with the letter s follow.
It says 3h22m42s
